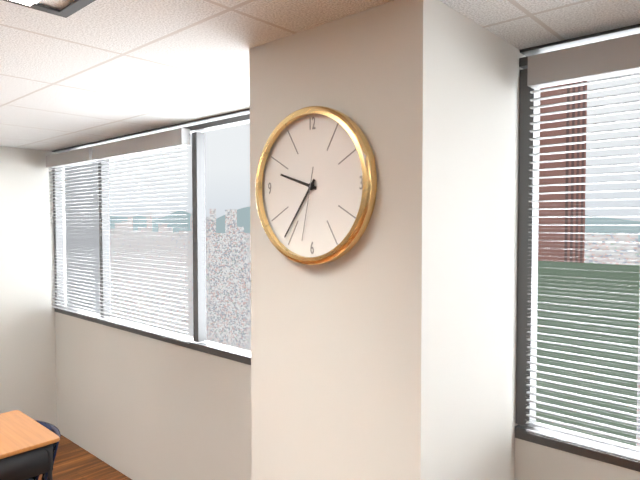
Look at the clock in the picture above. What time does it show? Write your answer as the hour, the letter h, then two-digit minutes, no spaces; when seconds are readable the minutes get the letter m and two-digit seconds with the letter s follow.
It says 9h36m32s
